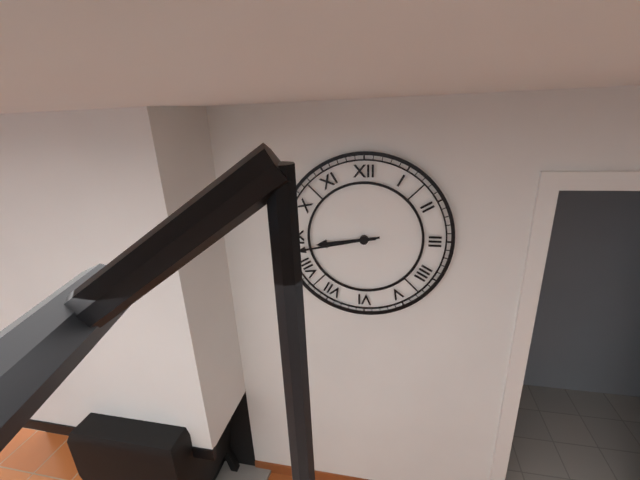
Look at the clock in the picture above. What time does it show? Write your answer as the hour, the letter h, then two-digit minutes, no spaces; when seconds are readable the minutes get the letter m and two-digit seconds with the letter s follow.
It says 8h43
